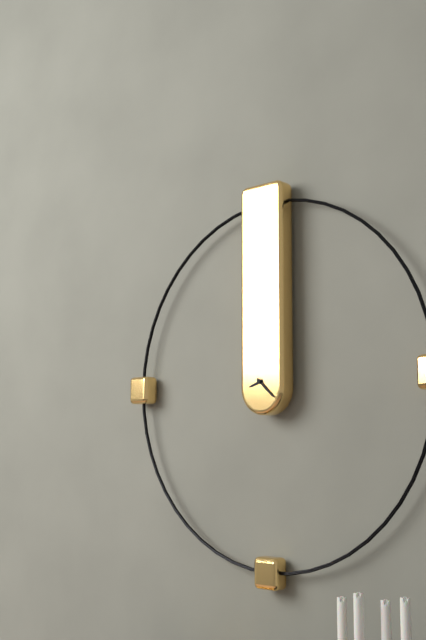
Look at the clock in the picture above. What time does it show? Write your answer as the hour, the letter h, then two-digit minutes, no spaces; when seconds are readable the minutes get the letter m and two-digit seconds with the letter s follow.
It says 8h22
